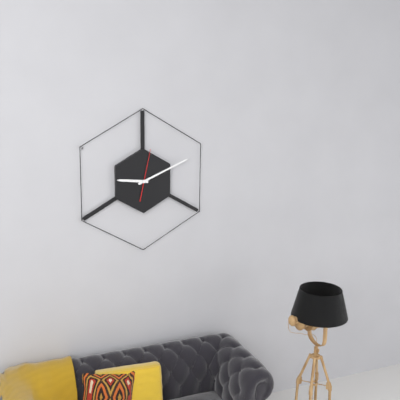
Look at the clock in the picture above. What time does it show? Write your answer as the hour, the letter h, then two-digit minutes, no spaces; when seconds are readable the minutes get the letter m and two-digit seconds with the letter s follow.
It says 9h11
